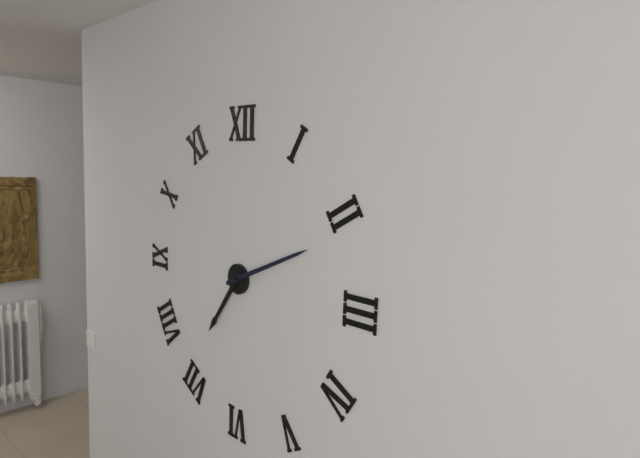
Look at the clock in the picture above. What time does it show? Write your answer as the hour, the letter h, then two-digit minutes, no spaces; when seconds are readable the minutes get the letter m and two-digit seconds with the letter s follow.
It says 7h11
